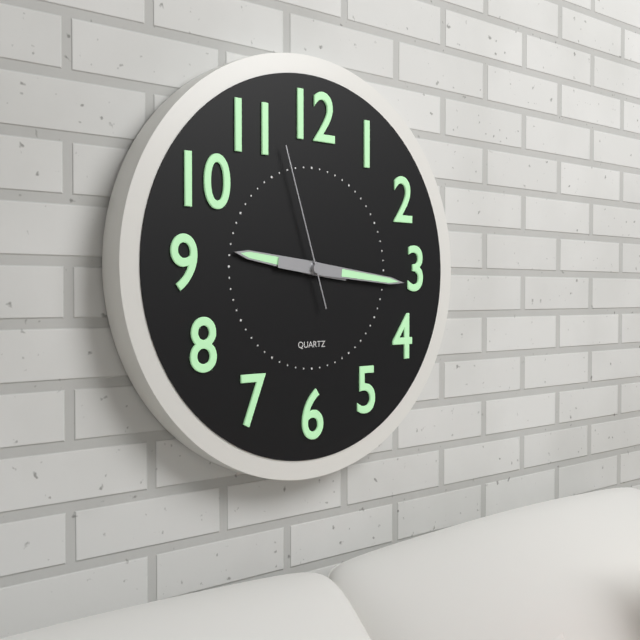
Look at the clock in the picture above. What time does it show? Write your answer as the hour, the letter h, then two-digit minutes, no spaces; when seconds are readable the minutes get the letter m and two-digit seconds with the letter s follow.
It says 9h16m57s
